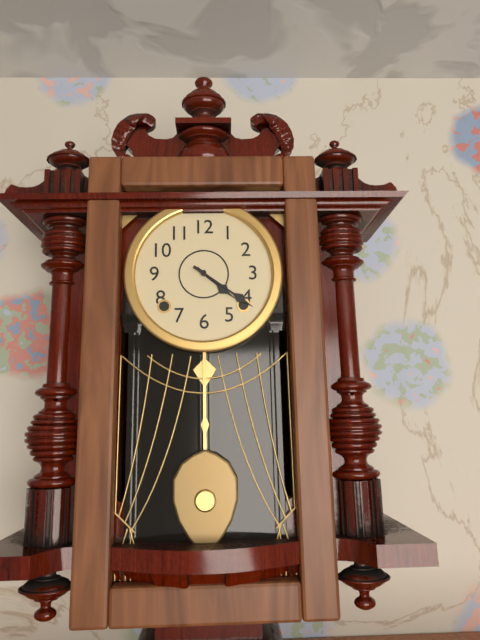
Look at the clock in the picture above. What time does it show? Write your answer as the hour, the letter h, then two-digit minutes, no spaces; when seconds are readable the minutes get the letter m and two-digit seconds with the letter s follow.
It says 4h21
